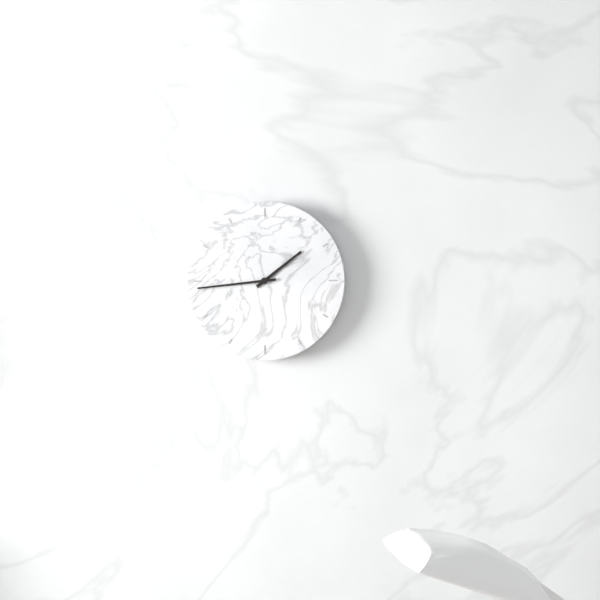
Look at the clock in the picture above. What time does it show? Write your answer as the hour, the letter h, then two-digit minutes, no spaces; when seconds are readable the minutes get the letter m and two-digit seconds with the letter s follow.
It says 1h44
